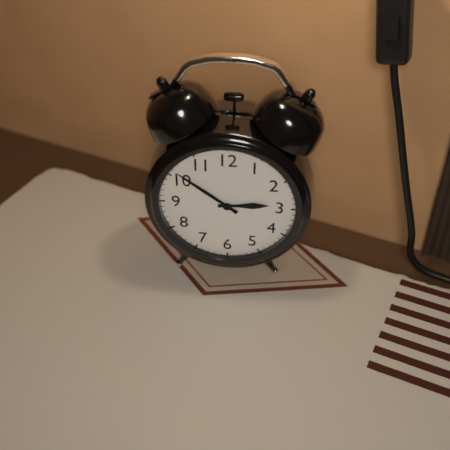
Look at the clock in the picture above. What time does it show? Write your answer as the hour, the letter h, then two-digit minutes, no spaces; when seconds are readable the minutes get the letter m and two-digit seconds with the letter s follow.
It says 2h51
